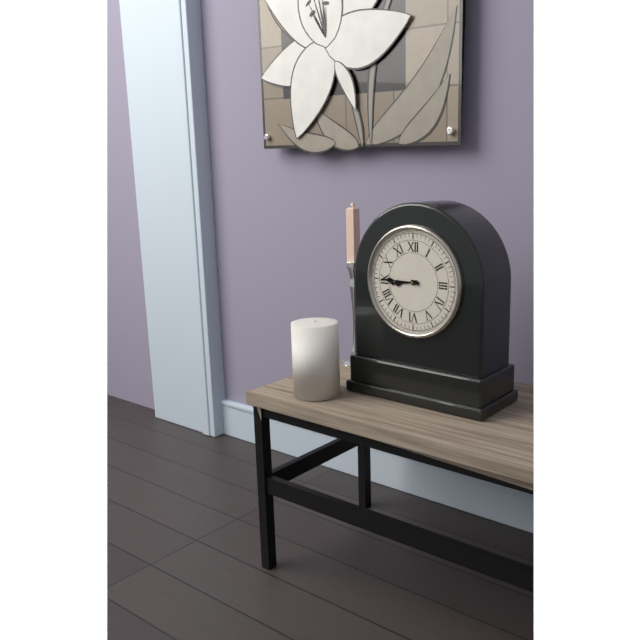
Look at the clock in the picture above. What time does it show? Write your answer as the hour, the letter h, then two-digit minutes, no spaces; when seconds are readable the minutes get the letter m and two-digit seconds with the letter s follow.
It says 8h45
